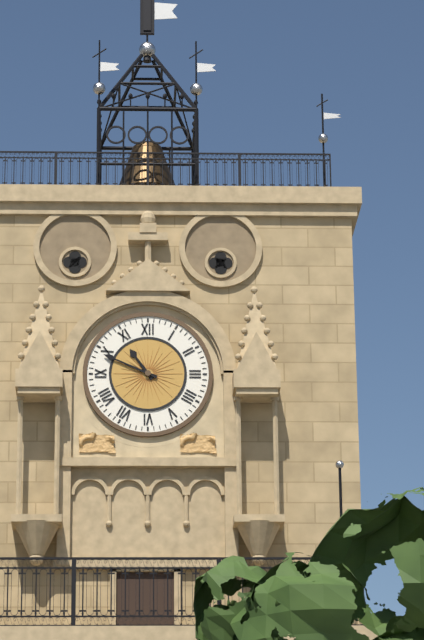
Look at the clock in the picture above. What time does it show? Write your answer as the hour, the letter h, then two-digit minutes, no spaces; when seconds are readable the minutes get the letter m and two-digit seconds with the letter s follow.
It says 10h49
